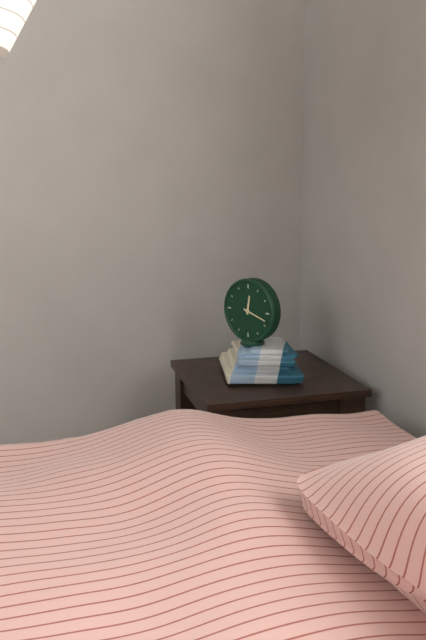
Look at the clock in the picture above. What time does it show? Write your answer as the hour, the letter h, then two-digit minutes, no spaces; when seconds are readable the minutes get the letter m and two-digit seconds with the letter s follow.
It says 12h18
